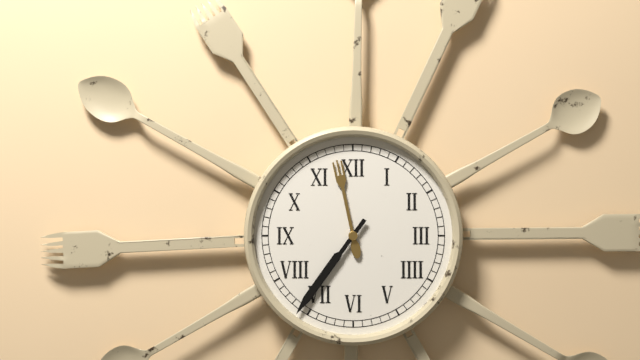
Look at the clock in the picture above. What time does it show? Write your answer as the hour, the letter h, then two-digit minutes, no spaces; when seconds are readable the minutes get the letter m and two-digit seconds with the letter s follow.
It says 11h36
